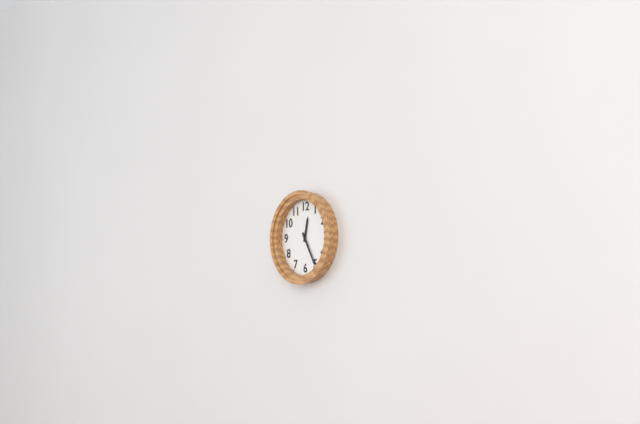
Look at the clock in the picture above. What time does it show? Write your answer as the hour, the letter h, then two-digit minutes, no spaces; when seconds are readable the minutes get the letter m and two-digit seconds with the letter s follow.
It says 12h25
